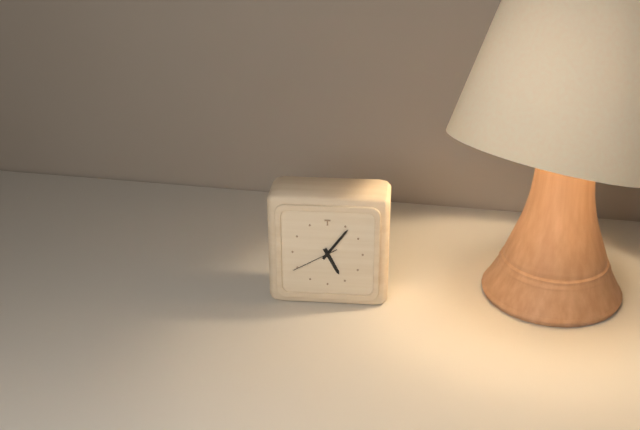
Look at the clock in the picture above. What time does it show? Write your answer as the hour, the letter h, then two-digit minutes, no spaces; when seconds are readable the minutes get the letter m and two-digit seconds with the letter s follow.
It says 5h06
